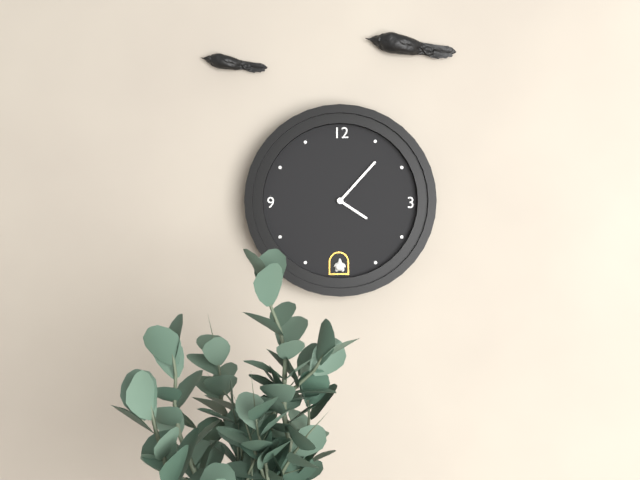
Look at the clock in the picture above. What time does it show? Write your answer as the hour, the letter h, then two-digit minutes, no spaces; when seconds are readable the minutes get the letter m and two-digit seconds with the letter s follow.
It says 4h07
